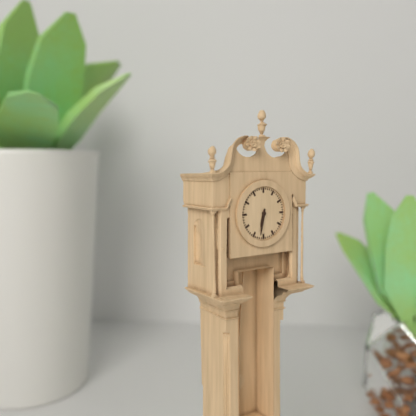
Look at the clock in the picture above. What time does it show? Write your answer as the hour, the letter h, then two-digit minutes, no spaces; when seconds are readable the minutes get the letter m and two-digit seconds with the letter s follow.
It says 6h32
